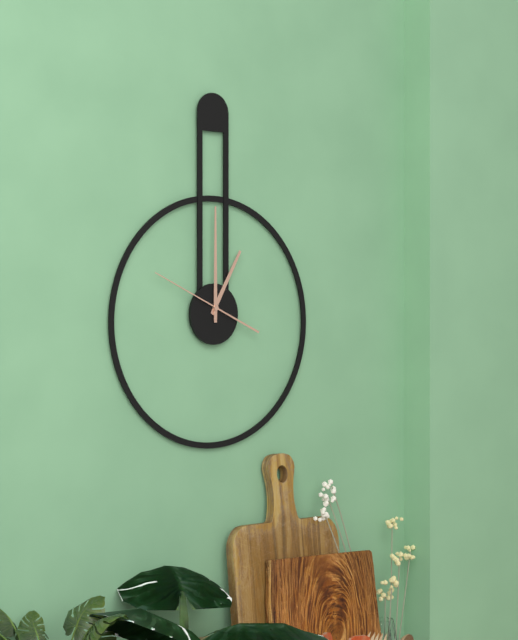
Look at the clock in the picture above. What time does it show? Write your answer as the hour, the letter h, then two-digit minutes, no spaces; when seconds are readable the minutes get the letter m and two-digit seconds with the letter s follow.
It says 1h00m49s
